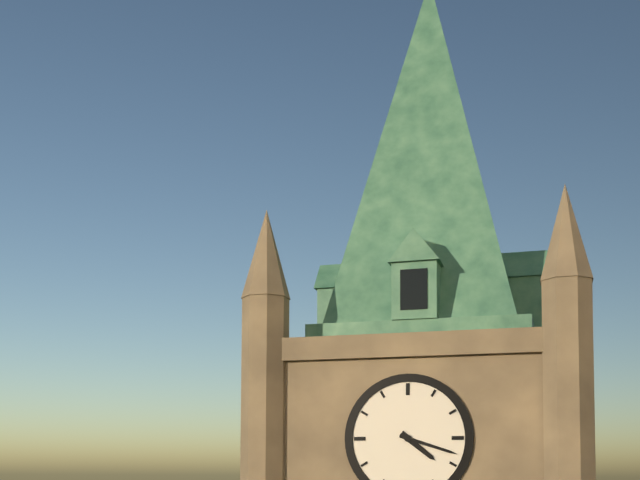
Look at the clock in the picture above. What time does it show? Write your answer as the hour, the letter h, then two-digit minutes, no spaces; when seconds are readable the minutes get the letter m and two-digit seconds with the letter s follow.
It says 4h18
